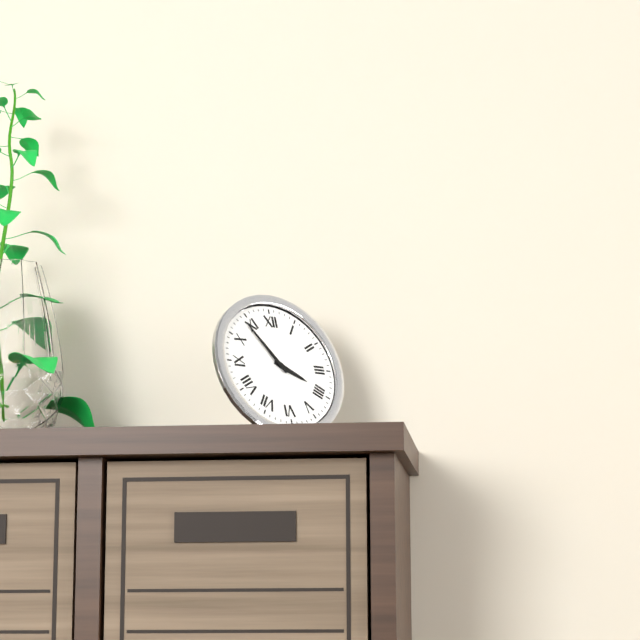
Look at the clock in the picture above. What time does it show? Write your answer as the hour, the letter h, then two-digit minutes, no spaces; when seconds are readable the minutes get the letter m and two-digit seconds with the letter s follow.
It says 3h54
